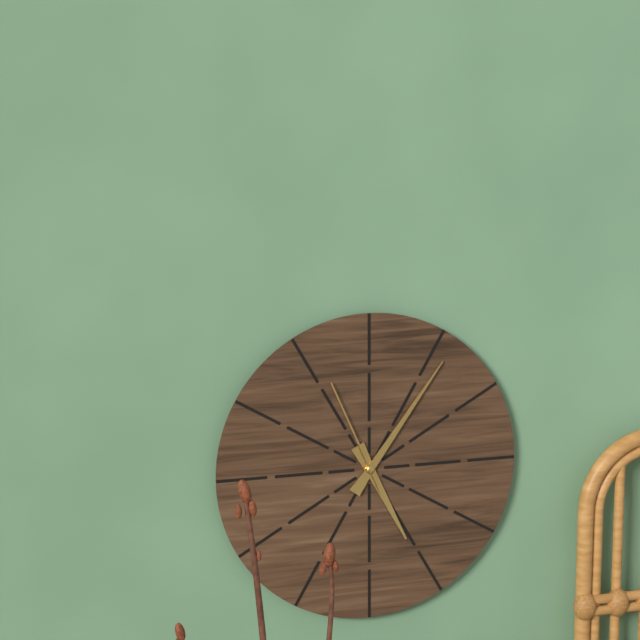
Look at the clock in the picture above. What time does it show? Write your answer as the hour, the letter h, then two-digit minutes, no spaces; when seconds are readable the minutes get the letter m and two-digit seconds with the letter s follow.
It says 5h06m56s
